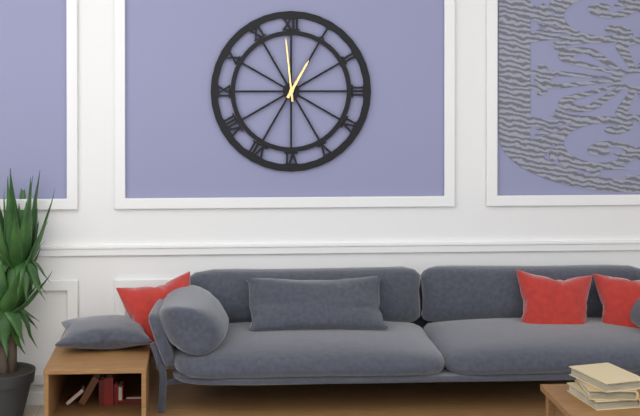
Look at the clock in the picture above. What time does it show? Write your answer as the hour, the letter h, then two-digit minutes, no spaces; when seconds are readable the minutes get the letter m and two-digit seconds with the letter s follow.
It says 12h59
